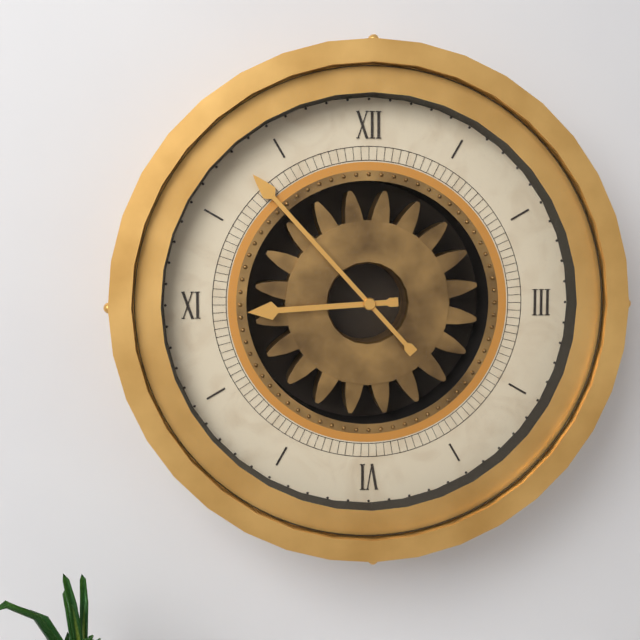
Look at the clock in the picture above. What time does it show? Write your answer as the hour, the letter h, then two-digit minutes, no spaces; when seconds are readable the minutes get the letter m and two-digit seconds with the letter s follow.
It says 8h53
